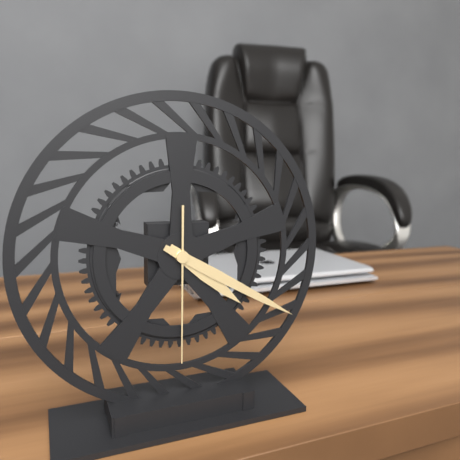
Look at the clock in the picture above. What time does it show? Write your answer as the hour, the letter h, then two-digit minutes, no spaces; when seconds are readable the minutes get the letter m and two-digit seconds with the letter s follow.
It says 4h20m30s
